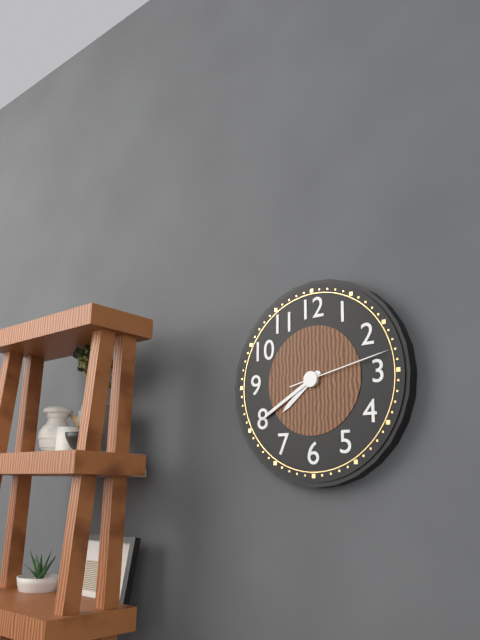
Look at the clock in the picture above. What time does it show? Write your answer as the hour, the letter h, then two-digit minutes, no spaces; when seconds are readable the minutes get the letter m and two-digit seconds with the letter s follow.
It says 7h40m13s
